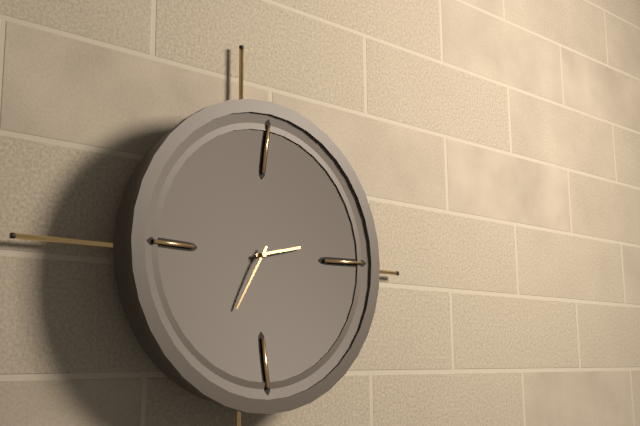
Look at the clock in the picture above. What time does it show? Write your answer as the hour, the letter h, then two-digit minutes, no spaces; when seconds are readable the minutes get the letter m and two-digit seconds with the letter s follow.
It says 2h35
